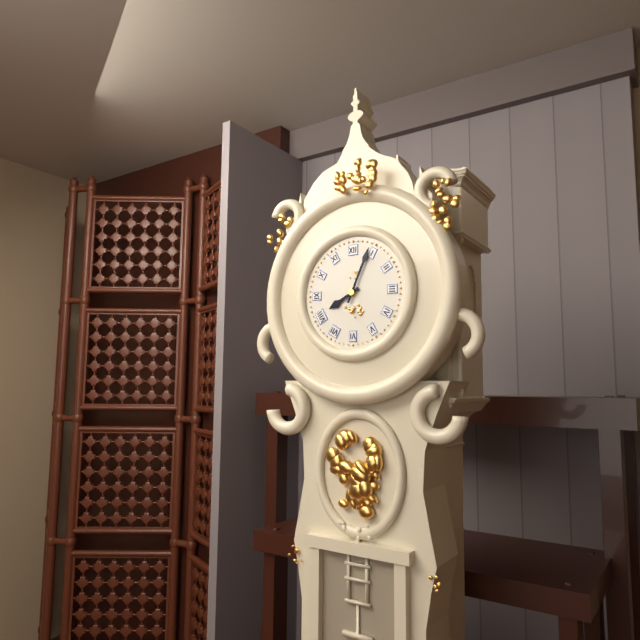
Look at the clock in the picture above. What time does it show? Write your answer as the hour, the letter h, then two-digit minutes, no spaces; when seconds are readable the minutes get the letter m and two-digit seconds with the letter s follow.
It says 8h04
